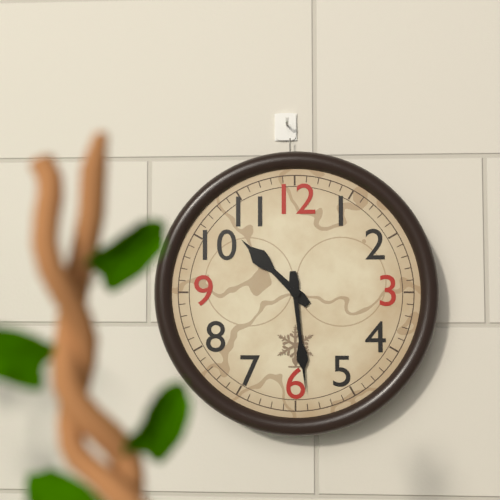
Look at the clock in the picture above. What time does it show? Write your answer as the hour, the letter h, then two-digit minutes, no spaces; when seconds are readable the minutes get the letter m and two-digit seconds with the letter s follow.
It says 10h29
